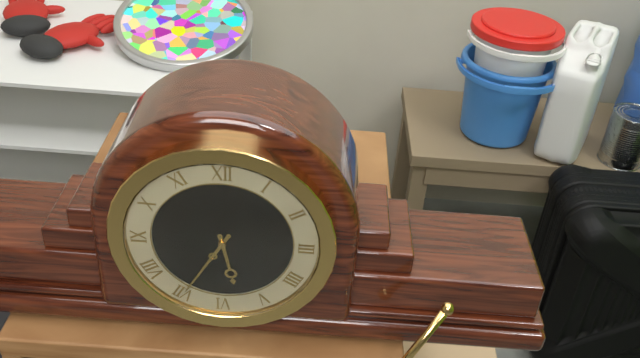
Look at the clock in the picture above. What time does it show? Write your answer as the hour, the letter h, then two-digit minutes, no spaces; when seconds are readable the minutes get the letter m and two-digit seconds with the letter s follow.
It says 5h35
